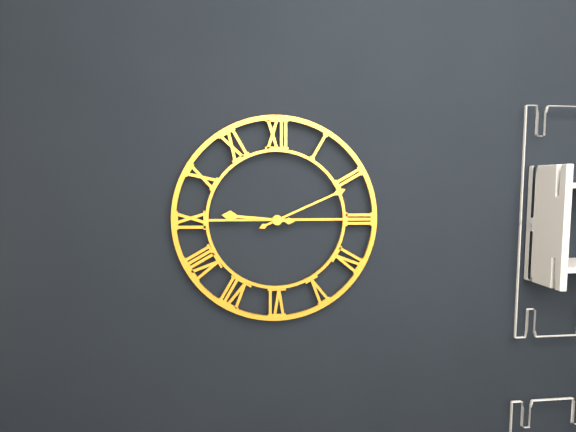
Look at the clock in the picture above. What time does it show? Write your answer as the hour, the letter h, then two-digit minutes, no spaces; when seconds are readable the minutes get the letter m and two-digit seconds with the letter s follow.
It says 9h11
